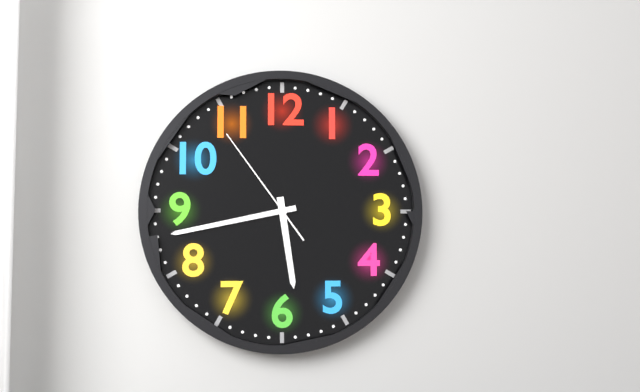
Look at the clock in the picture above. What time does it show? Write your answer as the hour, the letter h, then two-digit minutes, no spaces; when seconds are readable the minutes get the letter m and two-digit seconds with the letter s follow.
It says 5h43m54s
